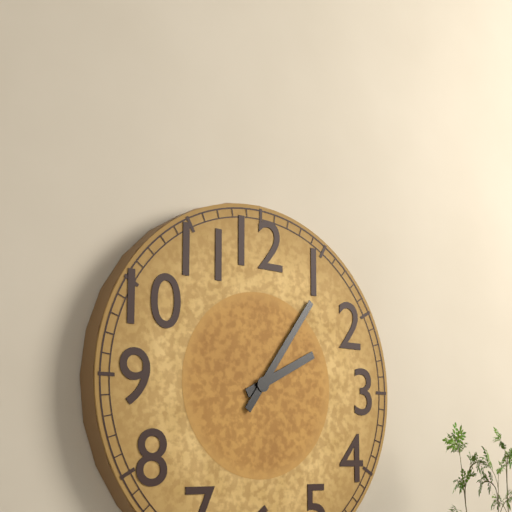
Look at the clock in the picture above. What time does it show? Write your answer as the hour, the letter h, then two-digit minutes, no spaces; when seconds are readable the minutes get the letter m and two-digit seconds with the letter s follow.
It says 2h06
